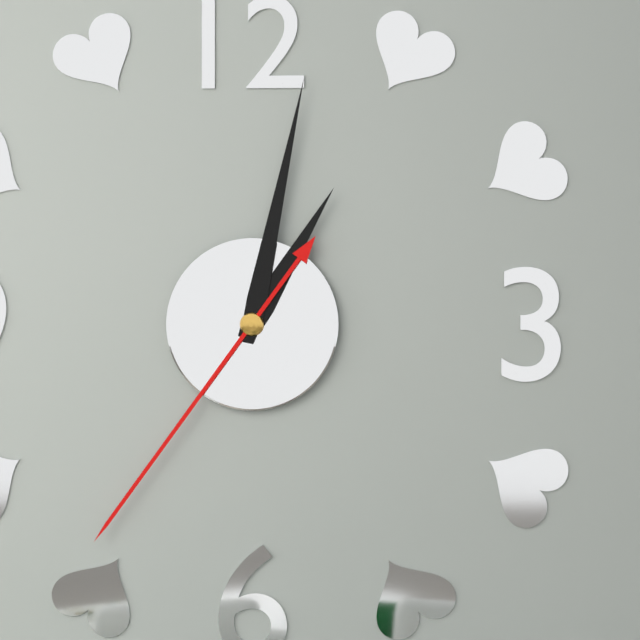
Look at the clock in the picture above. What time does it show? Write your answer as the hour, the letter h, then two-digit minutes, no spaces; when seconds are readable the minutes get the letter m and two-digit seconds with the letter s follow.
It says 1h02m36s
